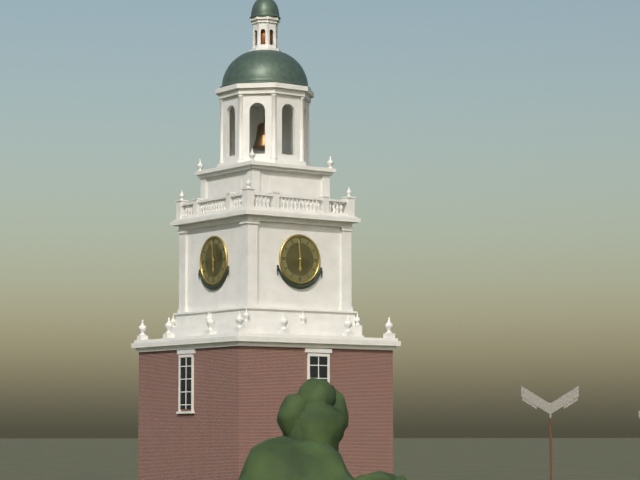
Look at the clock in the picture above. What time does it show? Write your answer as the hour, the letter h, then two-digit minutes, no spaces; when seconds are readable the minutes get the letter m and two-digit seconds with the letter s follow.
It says 5h59
